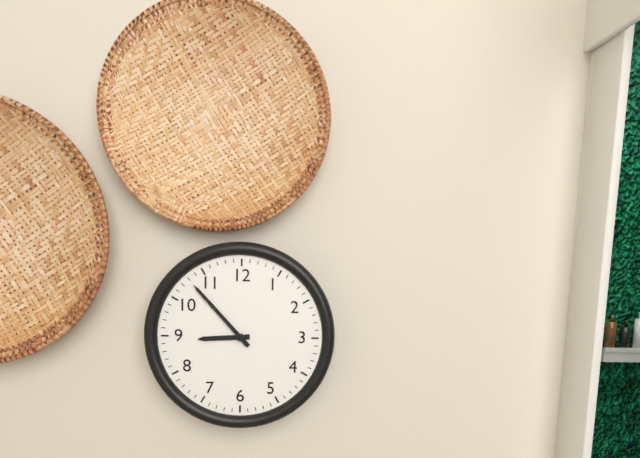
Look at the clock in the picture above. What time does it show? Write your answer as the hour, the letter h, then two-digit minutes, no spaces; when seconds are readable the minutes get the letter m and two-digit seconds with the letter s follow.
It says 8h53
